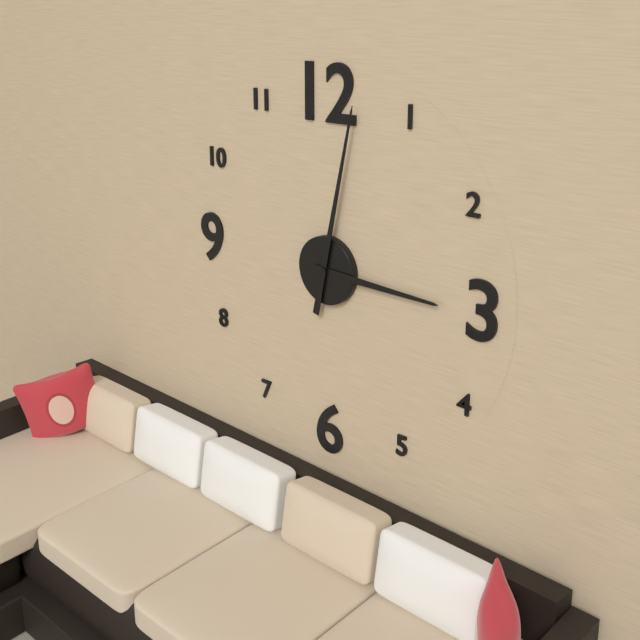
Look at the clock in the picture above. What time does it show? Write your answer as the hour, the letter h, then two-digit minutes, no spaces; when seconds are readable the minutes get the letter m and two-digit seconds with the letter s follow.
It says 3h02
